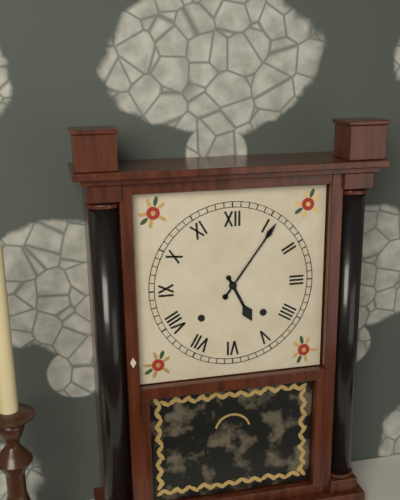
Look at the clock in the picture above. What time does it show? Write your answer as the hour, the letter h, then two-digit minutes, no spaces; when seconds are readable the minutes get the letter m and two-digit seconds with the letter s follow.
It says 5h06
